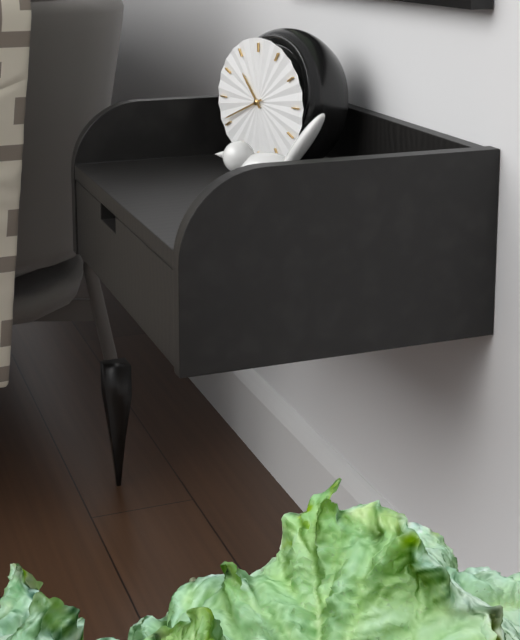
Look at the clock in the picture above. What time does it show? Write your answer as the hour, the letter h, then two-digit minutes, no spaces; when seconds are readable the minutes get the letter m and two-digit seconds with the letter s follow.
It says 10h41
